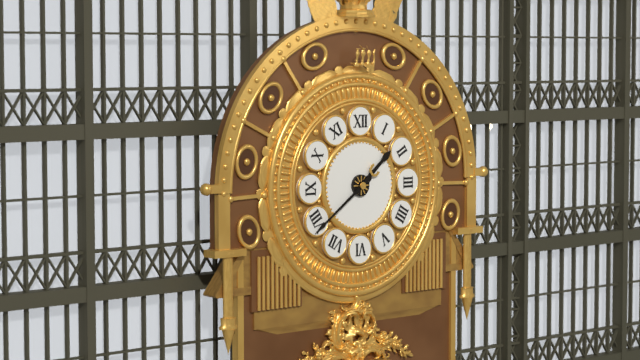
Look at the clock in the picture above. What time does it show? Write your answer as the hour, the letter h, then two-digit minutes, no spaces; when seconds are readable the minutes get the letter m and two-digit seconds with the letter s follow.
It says 1h39
